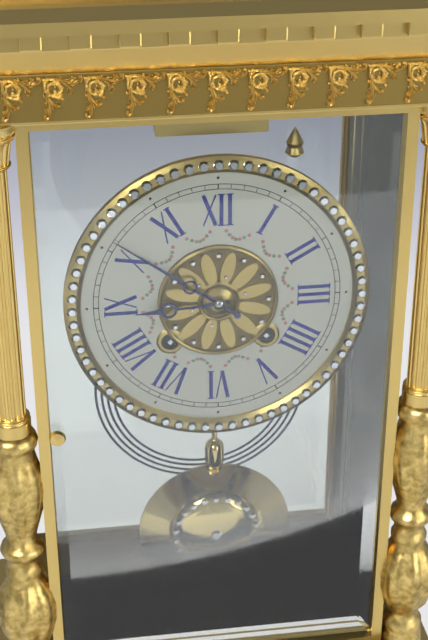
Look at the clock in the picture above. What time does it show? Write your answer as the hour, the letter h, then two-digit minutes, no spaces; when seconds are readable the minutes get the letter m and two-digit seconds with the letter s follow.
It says 8h51
